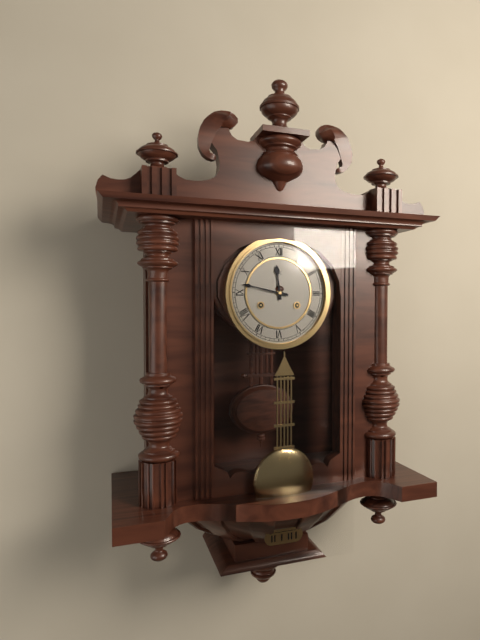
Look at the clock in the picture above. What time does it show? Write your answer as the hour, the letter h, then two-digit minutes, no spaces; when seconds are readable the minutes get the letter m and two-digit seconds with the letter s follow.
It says 11h47
